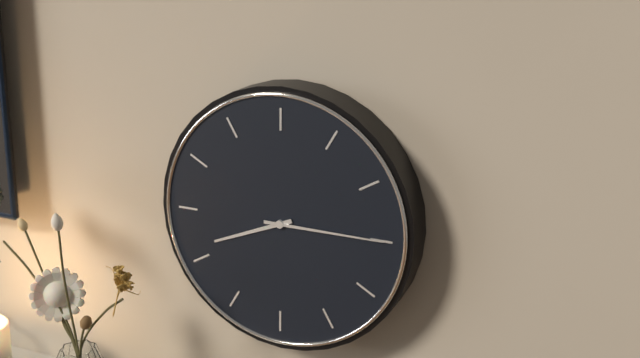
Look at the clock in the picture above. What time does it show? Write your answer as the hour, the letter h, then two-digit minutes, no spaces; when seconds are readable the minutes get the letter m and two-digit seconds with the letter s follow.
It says 8h15
